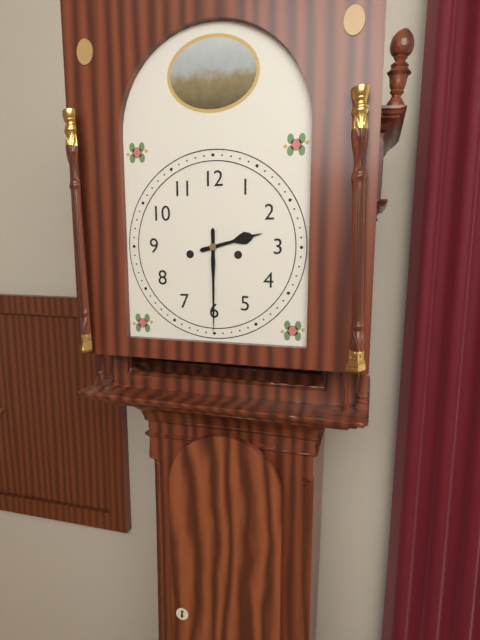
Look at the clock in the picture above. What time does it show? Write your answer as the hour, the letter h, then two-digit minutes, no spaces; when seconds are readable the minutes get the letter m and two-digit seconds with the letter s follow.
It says 2h30
